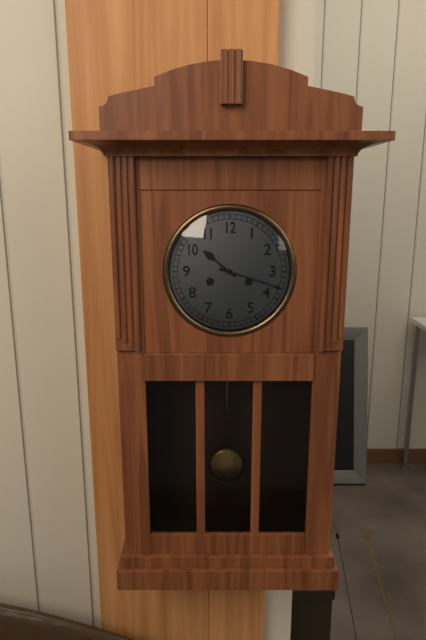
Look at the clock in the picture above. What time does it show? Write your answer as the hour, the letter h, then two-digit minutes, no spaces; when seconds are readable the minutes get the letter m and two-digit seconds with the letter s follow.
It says 10h18
